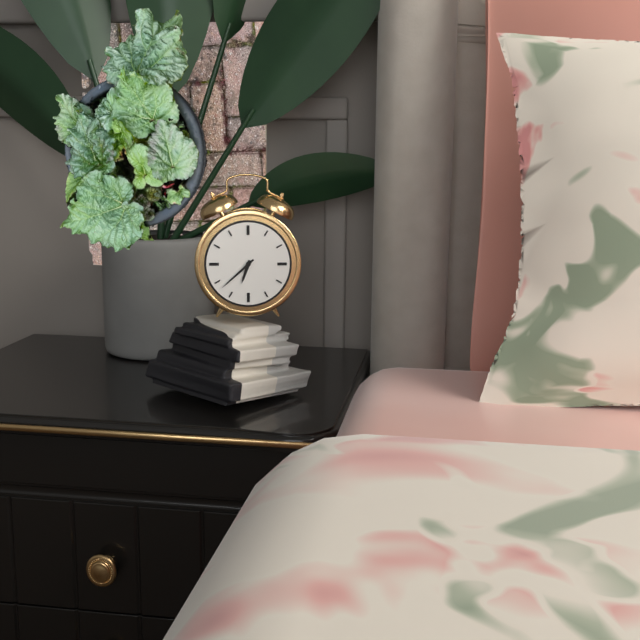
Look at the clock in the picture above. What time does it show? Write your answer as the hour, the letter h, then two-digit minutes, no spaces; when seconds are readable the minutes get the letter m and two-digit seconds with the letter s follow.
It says 6h38
